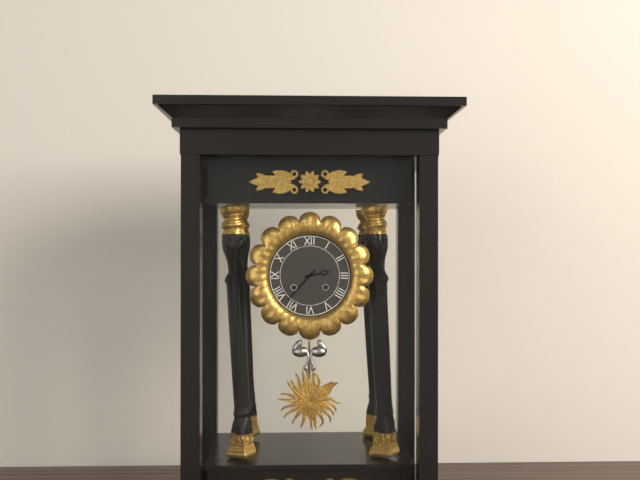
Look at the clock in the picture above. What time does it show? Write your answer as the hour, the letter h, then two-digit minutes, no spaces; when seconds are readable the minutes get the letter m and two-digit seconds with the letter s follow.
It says 2h37
